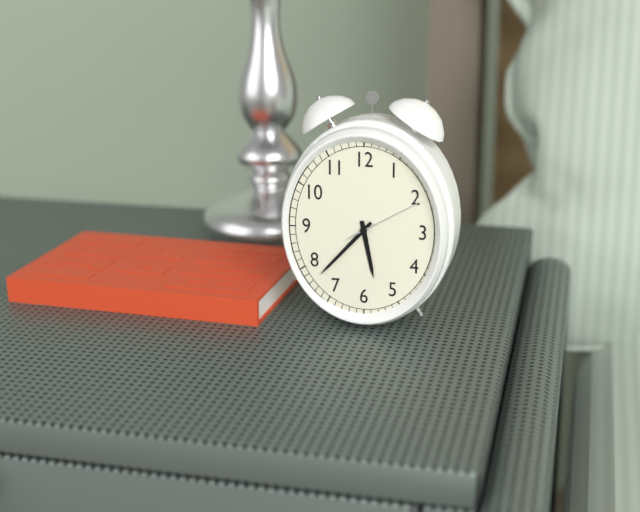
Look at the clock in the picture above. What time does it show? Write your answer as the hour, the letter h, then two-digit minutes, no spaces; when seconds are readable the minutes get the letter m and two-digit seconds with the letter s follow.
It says 5h37m10s
